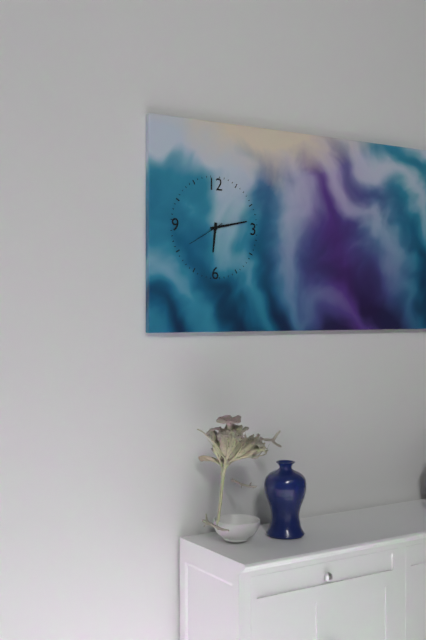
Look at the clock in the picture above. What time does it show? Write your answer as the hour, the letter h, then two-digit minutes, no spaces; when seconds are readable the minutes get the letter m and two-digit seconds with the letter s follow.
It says 6h13
